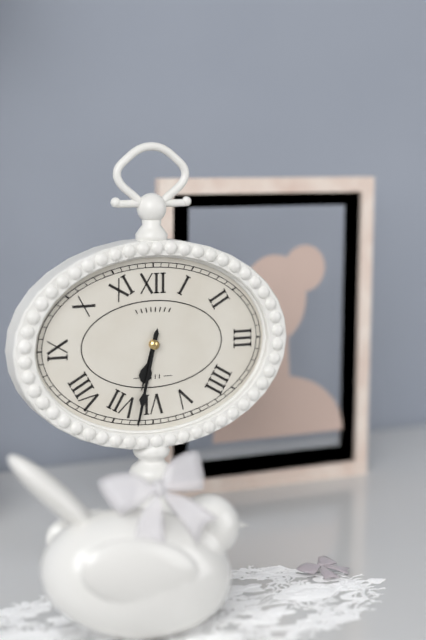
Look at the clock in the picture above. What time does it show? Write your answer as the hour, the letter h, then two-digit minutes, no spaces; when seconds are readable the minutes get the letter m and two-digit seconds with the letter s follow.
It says 6h32
